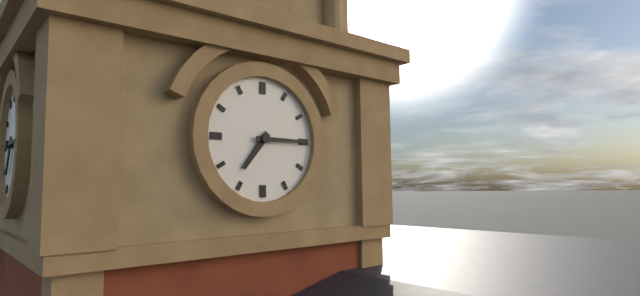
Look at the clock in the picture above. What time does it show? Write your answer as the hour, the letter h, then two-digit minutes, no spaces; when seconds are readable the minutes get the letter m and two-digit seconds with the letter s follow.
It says 7h15
